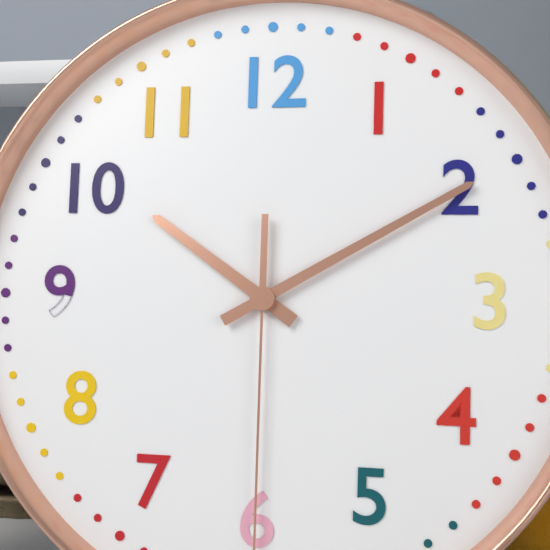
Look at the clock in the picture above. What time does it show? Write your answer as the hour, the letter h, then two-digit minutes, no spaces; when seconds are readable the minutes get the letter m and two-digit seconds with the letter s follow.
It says 10h10
